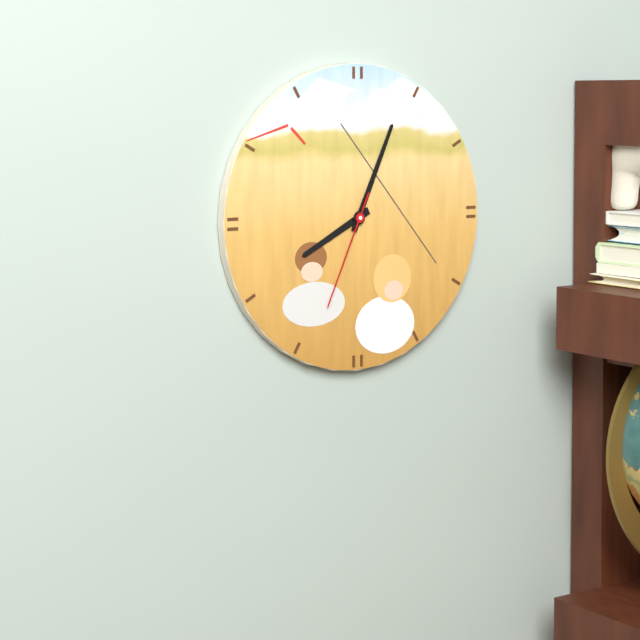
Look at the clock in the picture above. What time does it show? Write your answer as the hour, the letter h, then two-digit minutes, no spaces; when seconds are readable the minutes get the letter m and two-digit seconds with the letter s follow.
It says 8h04m34s
